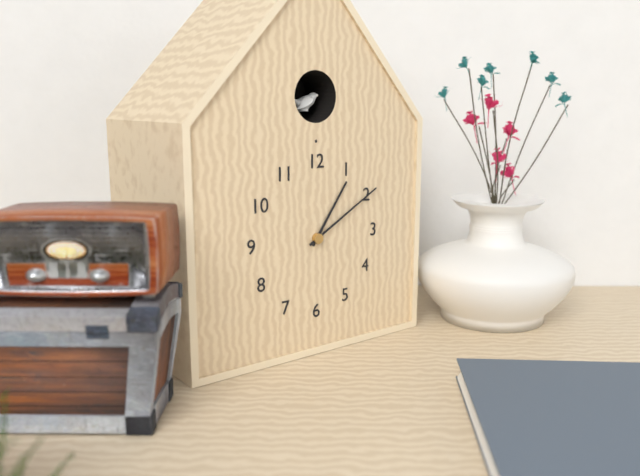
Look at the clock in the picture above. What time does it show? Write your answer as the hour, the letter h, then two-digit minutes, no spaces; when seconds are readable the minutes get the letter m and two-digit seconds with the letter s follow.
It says 1h10
